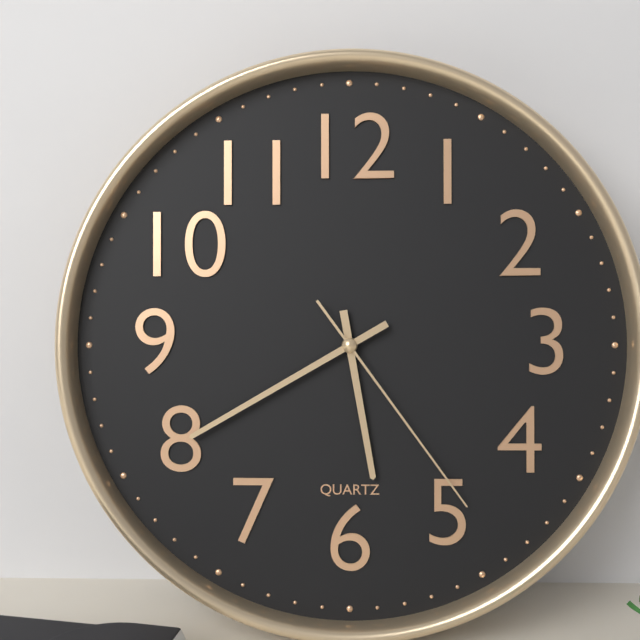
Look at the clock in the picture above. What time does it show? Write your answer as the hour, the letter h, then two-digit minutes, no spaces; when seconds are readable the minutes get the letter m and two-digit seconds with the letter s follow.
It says 5h40m24s
